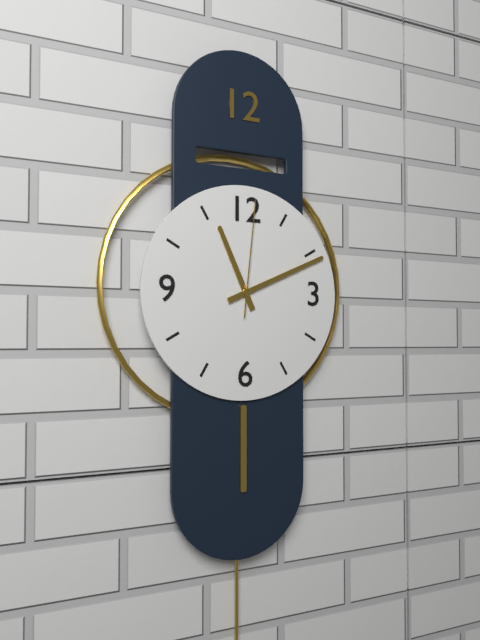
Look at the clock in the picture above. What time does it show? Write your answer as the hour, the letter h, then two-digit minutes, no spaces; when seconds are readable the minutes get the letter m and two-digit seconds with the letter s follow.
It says 11h11m01s
